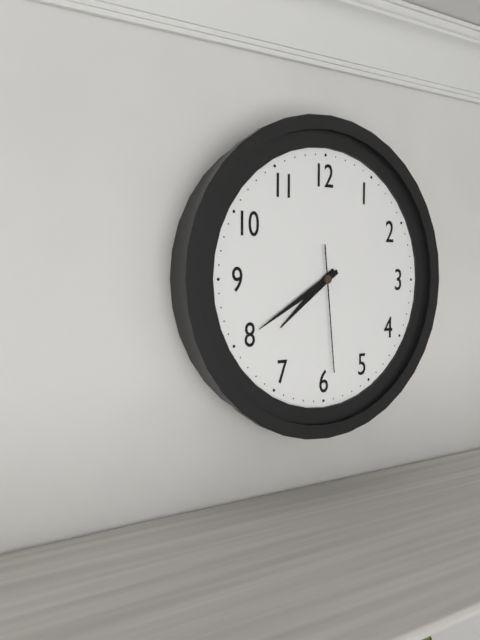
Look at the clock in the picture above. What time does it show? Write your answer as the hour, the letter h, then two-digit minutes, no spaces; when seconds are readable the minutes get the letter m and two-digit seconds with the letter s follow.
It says 7h40m29s
